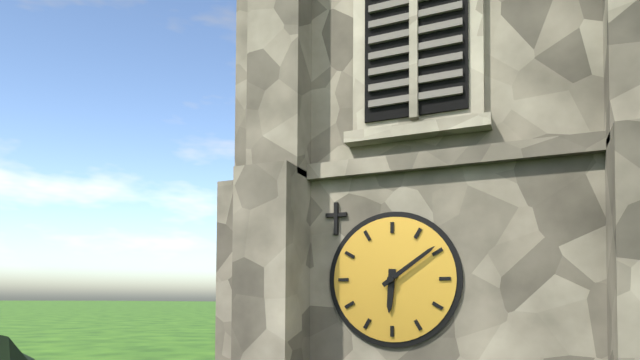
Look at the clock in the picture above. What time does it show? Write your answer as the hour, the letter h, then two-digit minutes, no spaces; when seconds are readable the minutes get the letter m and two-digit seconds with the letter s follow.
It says 6h09
